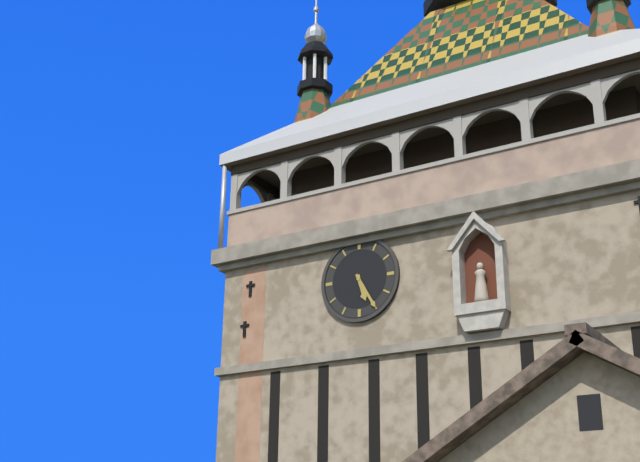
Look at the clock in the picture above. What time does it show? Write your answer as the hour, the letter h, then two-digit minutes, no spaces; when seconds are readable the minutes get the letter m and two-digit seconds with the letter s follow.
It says 5h25
